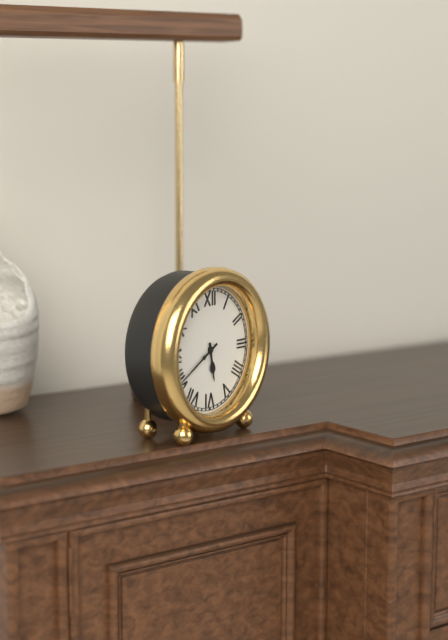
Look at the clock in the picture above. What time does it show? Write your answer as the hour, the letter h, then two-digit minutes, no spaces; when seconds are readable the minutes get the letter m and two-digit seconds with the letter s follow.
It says 5h40
